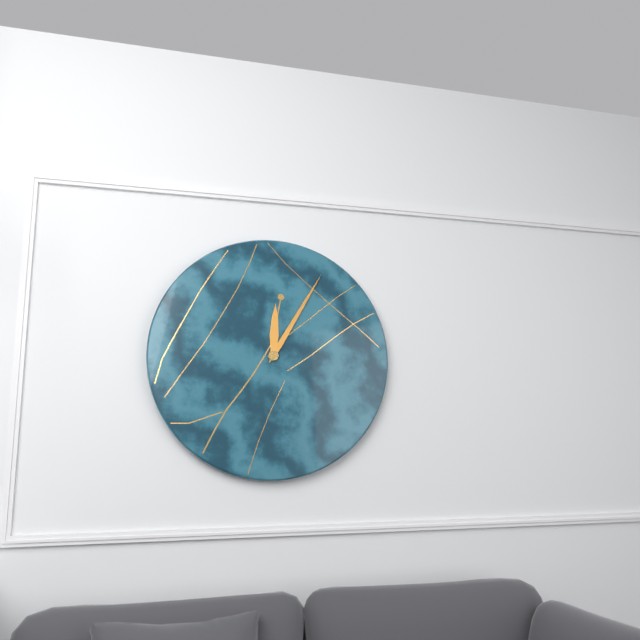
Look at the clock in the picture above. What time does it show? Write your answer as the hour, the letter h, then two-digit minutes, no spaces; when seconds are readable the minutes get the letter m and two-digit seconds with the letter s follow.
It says 12h05
